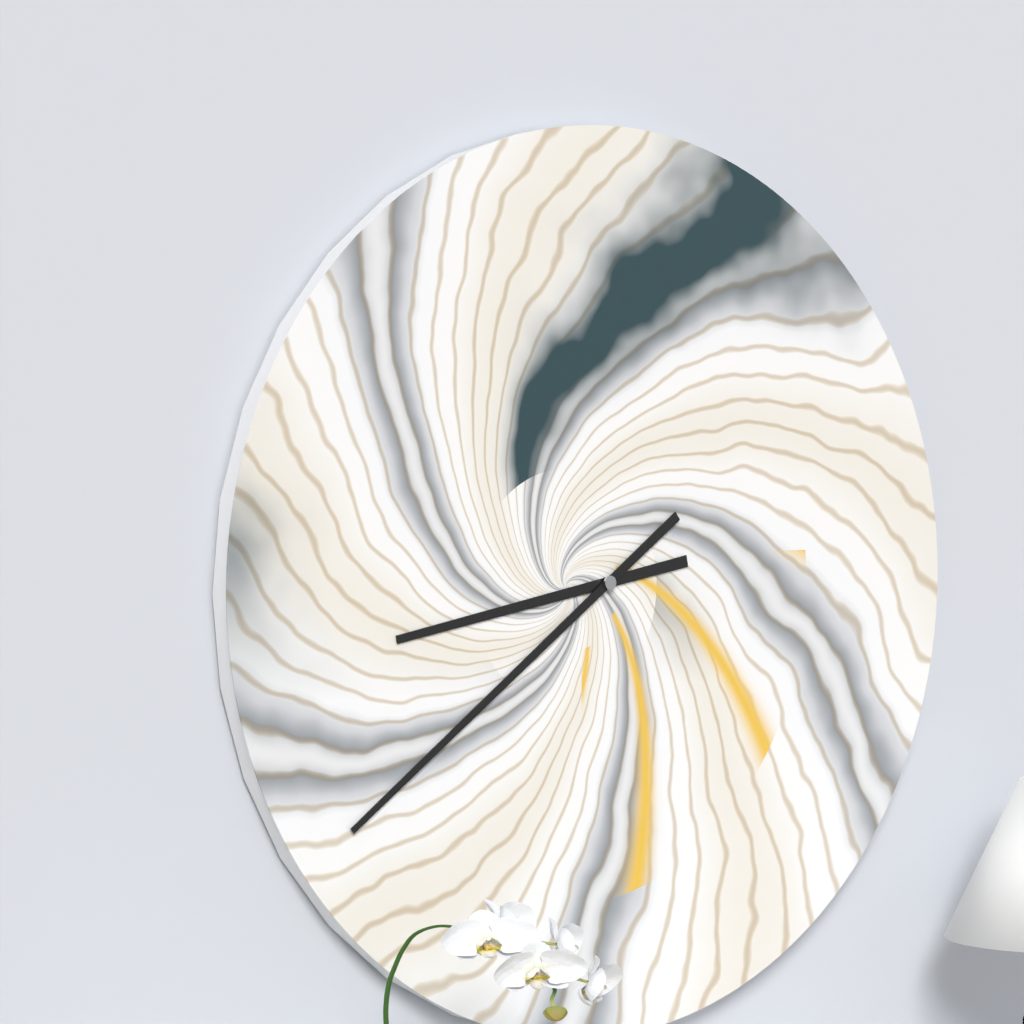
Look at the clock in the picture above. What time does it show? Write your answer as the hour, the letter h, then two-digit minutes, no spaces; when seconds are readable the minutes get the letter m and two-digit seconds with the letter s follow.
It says 8h39
